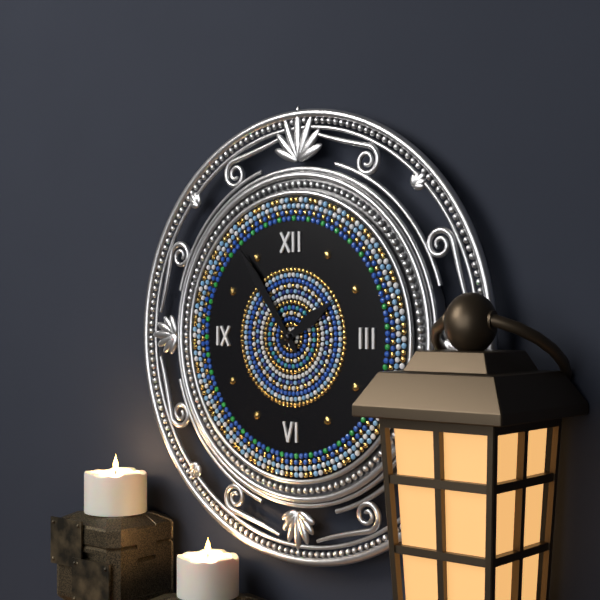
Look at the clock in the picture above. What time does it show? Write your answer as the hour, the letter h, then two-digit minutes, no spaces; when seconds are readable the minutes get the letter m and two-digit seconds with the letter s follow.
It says 1h54
